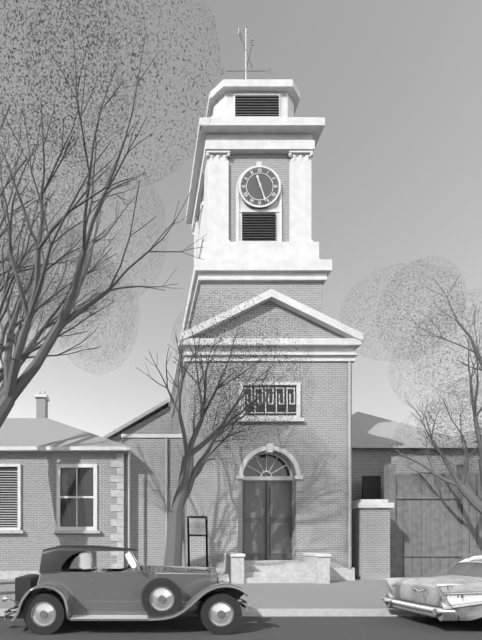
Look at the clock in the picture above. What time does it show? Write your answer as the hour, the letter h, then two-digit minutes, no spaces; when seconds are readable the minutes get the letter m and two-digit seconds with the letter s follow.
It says 11h27
